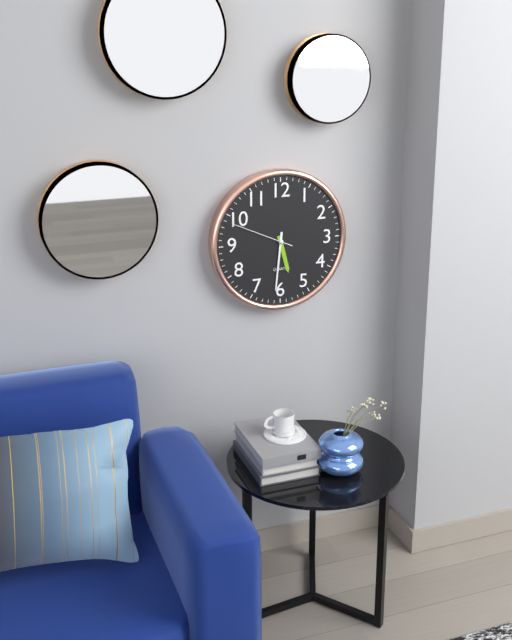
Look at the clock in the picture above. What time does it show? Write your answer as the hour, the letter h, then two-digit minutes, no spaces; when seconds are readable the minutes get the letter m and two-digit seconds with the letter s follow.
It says 5h31m49s
